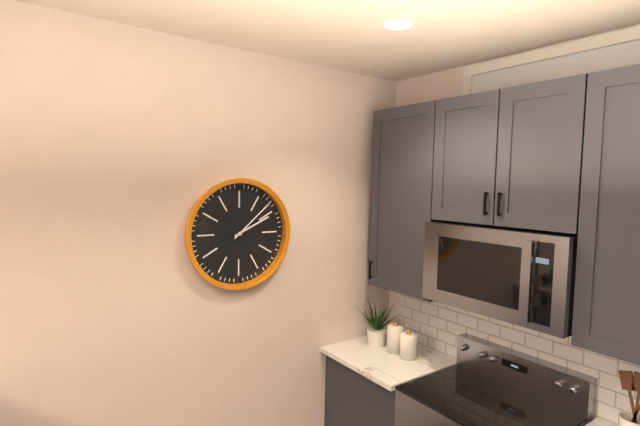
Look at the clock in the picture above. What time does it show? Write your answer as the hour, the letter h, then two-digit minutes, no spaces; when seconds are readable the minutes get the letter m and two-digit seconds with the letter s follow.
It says 2h08
